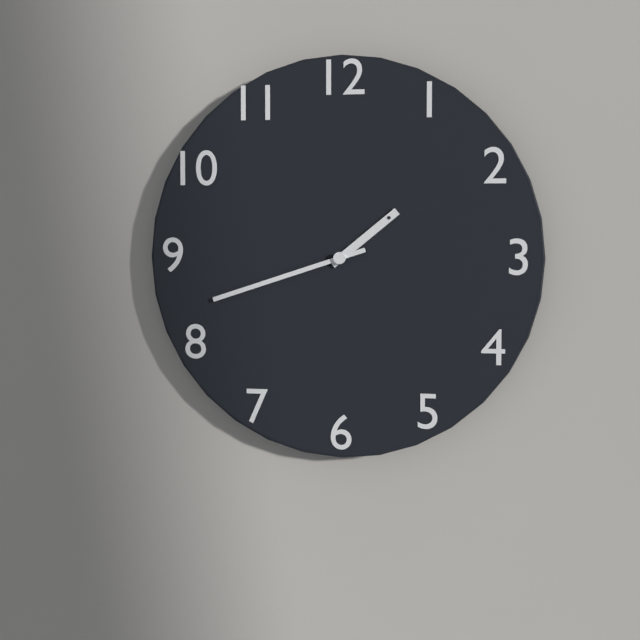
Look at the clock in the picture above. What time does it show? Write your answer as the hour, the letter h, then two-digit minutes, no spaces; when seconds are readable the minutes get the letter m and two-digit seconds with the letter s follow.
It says 1h42
